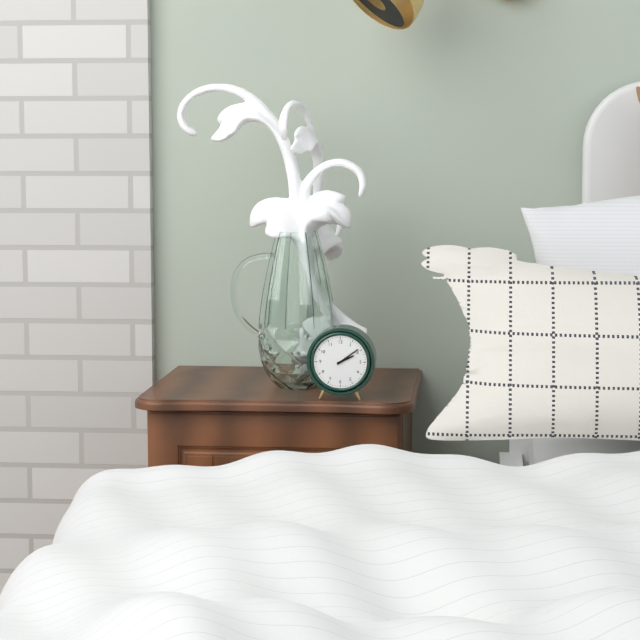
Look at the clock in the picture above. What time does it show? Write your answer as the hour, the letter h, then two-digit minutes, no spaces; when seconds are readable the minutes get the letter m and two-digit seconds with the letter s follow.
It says 2h09
